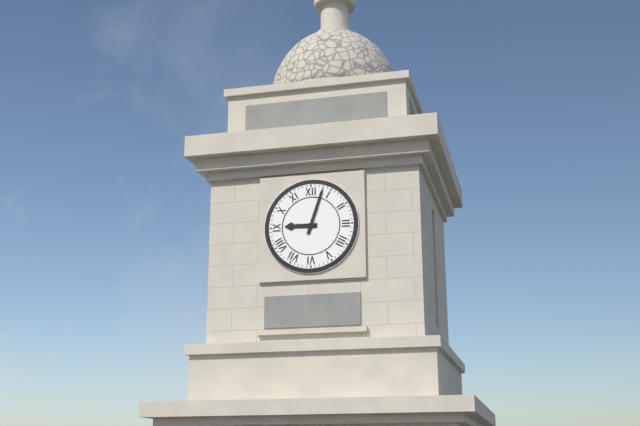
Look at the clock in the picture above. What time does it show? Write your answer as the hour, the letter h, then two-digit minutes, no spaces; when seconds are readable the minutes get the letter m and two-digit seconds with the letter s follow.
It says 9h03
